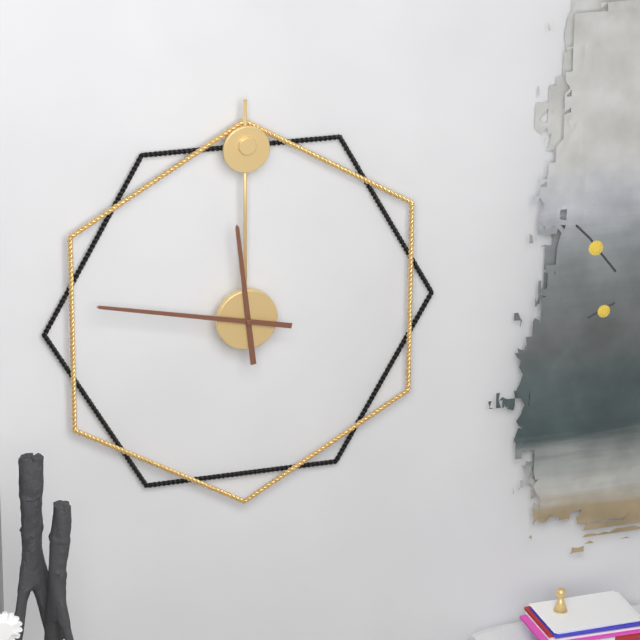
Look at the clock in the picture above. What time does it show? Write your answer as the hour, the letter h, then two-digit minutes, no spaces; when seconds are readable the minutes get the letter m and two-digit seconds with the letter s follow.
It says 11h47
